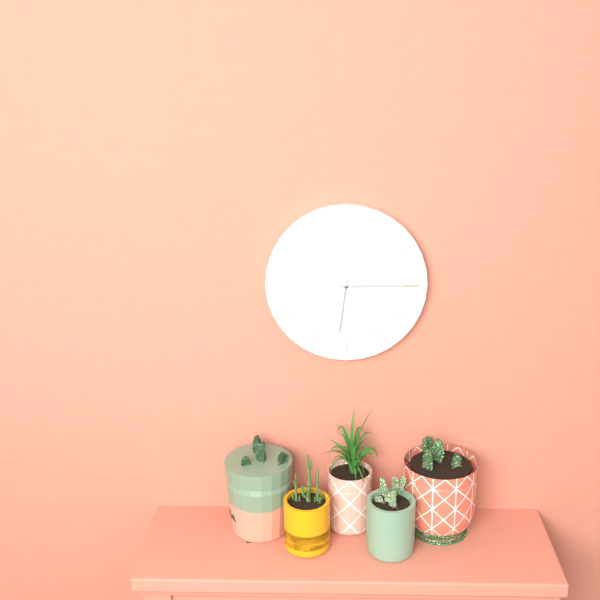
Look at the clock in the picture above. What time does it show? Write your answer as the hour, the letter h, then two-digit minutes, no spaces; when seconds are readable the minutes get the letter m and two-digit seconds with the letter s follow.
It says 6h15
